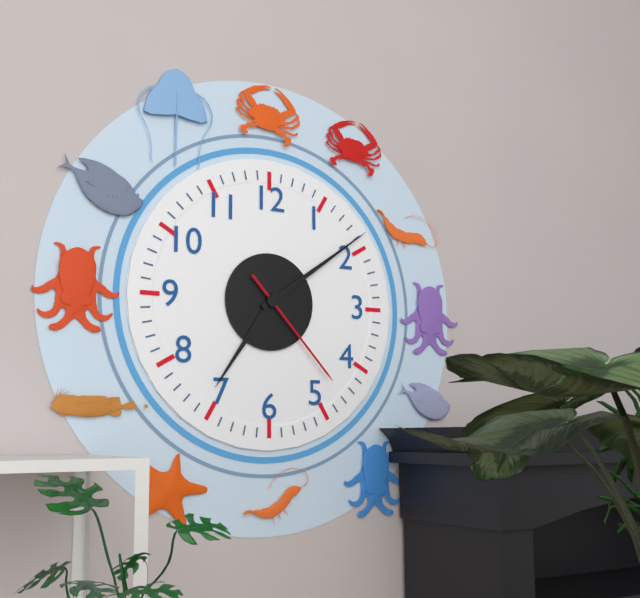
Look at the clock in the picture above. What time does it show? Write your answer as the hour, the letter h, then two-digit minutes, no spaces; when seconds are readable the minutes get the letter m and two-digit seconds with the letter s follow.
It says 7h09m23s
